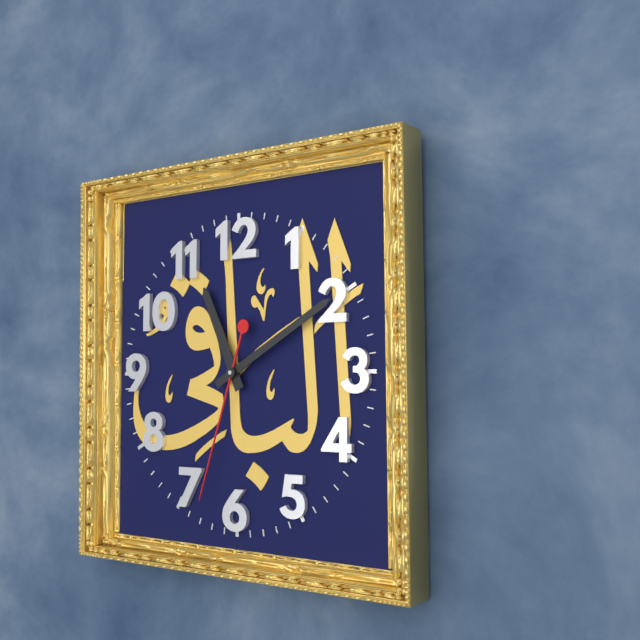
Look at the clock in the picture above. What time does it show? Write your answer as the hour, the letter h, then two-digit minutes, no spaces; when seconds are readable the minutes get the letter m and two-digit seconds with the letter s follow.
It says 11h10m33s
